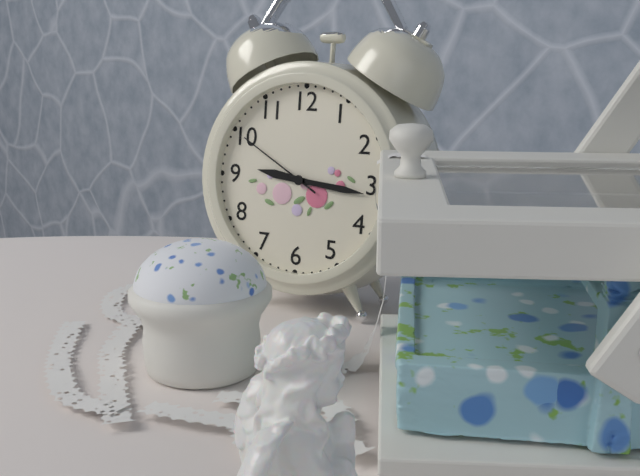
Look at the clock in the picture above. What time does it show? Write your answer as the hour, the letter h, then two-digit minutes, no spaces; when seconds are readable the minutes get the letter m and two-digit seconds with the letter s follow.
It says 9h16m50s
